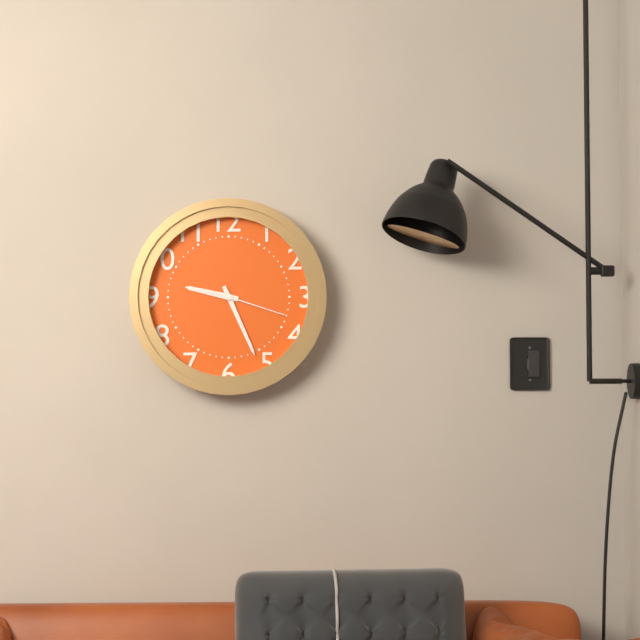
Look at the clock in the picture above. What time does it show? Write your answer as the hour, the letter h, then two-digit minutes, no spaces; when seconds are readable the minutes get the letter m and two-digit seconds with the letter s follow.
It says 9h26m18s
